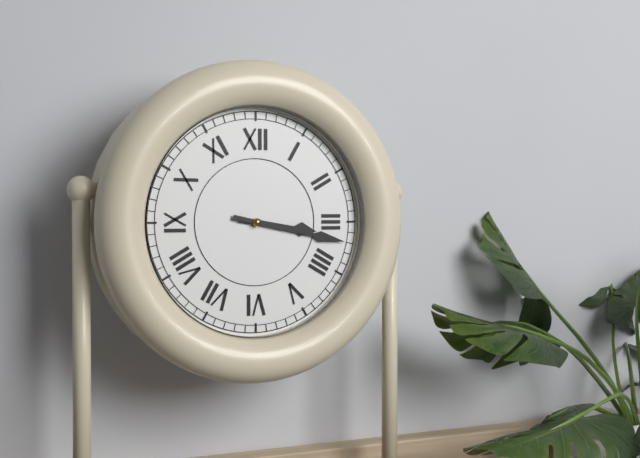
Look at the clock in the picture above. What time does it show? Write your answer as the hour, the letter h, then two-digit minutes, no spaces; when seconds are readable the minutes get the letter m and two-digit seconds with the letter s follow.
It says 3h17
